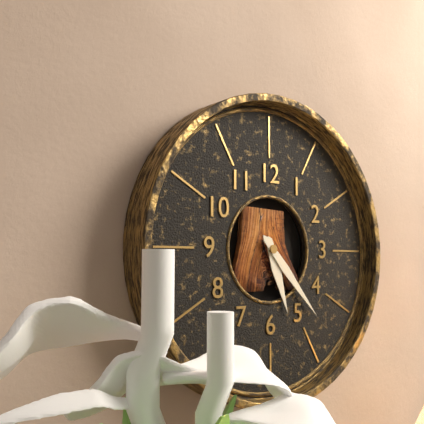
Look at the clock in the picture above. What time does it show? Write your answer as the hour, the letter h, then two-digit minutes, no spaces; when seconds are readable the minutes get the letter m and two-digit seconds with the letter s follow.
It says 5h23
